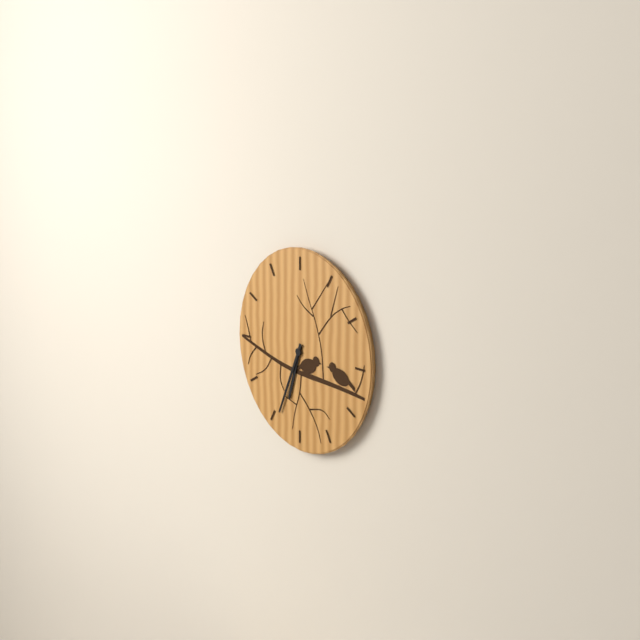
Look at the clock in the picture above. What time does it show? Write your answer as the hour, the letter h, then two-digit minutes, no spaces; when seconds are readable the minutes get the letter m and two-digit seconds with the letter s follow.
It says 6h34
